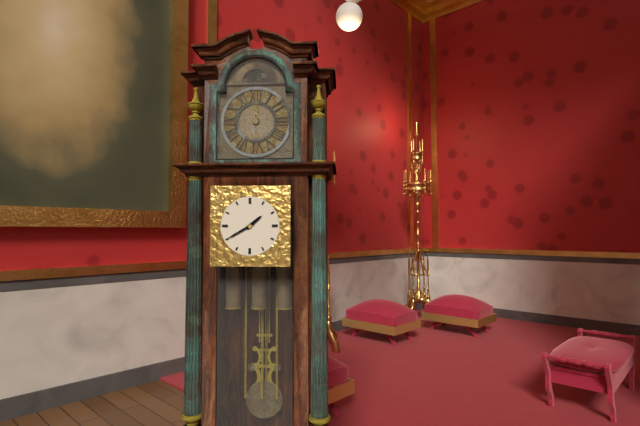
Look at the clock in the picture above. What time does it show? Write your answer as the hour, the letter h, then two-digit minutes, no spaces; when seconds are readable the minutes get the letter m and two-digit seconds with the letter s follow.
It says 1h40
